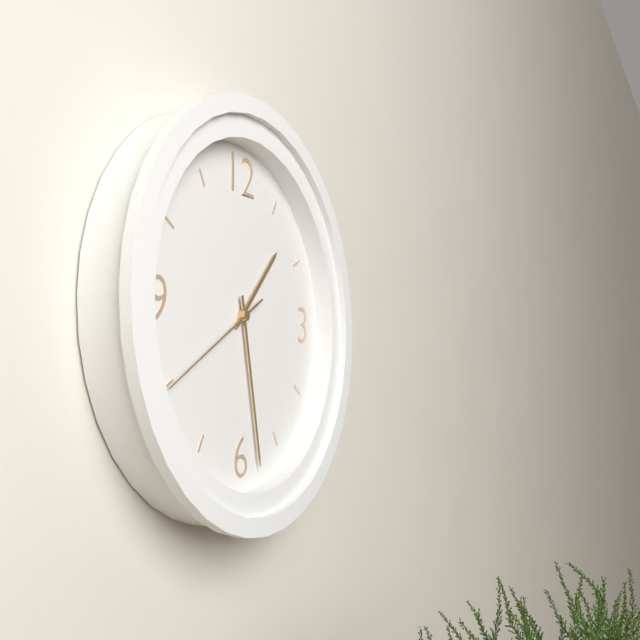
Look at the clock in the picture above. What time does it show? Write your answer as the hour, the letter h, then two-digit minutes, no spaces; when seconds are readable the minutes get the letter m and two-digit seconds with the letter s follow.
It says 1h28m40s
